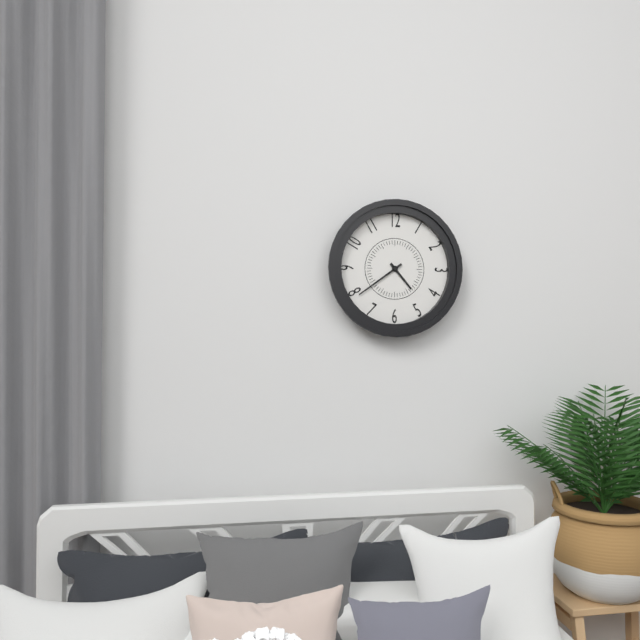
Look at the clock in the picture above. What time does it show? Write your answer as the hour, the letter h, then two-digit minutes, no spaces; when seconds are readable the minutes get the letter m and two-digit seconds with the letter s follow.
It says 4h39
